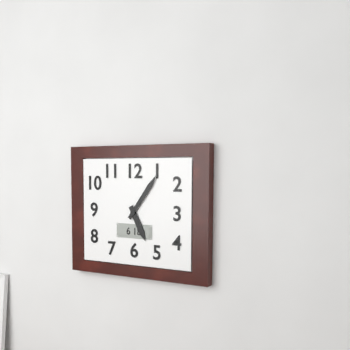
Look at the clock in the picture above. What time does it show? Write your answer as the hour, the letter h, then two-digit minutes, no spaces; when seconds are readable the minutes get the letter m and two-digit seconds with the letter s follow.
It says 5h06
